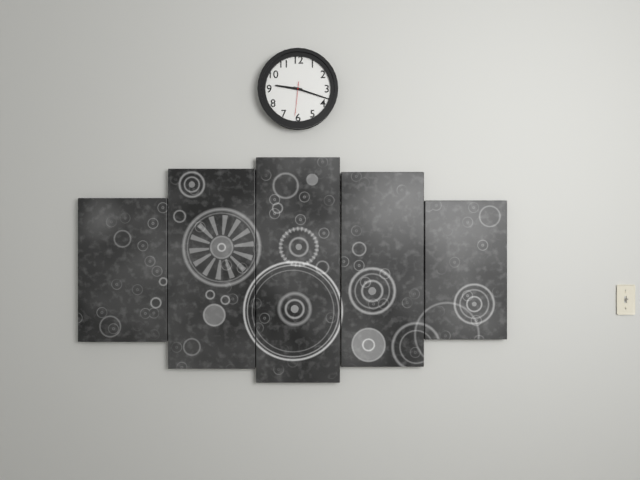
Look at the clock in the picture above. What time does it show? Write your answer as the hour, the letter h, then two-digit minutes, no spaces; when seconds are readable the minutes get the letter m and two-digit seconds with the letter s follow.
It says 9h18
